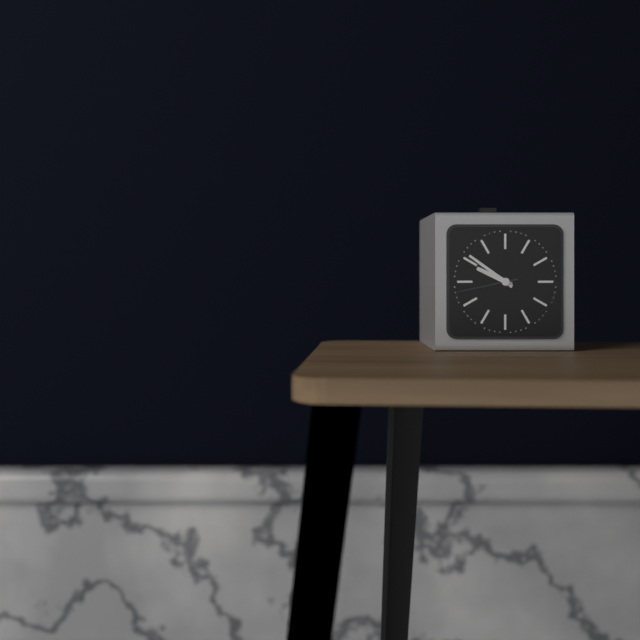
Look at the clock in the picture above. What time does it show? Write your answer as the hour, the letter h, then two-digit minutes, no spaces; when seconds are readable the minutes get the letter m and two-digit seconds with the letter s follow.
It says 9h51m43s
